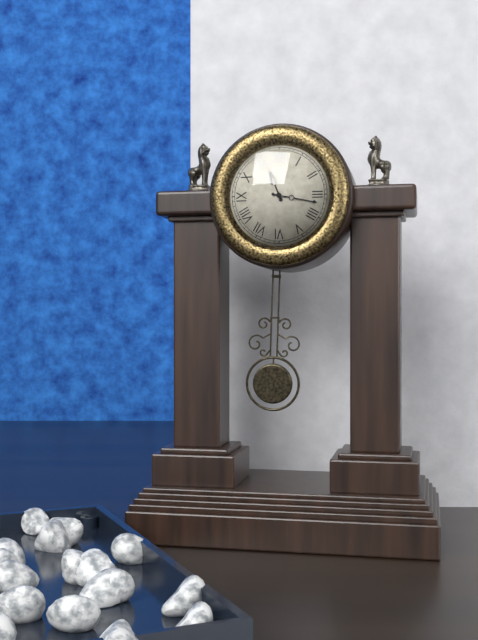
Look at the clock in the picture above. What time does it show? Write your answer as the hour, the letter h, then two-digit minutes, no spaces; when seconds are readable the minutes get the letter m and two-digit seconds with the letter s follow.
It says 11h17
